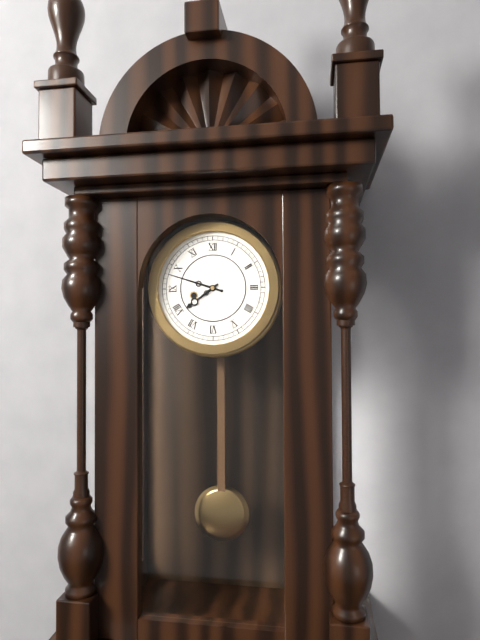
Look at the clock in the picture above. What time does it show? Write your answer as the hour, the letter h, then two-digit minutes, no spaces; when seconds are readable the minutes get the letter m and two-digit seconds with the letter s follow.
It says 7h48
